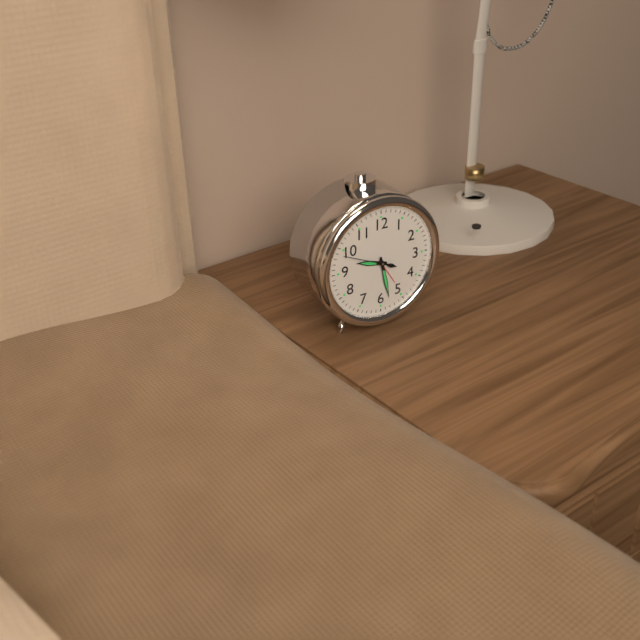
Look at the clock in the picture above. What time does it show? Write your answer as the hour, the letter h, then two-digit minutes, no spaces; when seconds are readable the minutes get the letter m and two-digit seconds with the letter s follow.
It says 9h28
